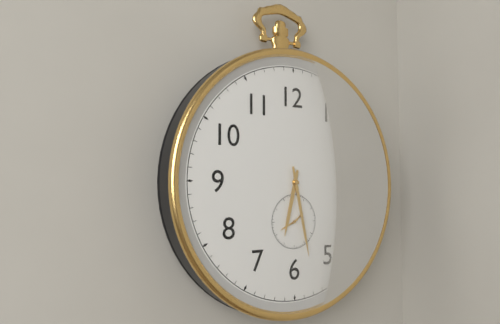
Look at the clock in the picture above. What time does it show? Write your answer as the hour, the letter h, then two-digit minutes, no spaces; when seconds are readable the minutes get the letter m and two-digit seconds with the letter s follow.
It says 6h28
